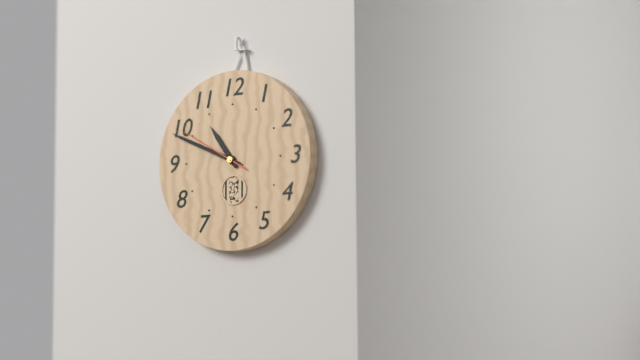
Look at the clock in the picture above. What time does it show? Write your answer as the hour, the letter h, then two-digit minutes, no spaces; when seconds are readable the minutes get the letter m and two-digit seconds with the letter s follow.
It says 10h49m50s
